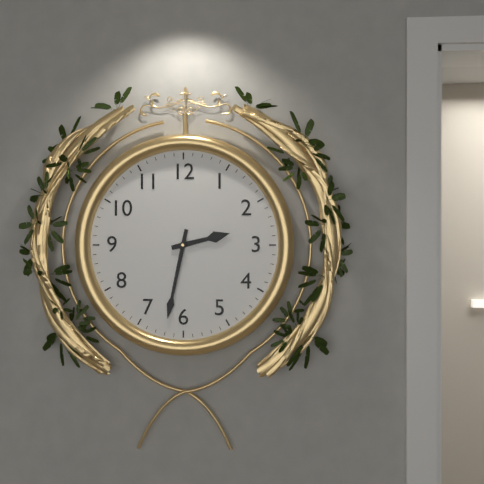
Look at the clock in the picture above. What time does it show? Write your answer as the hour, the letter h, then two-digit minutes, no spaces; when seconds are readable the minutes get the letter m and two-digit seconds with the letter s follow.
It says 2h32
